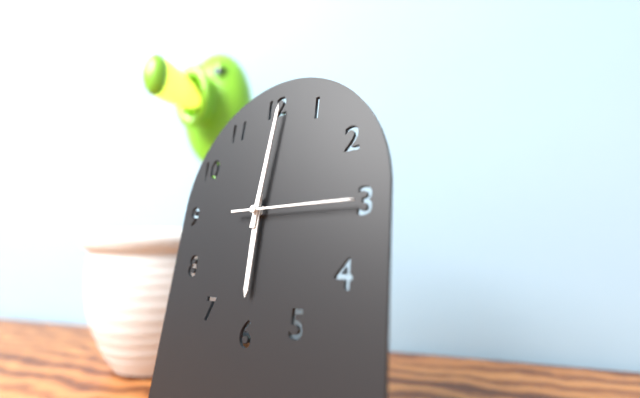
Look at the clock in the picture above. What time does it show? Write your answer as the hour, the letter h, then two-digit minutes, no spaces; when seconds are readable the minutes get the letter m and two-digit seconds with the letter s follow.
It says 6h01m15s
